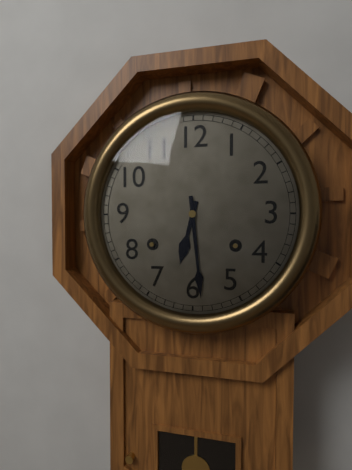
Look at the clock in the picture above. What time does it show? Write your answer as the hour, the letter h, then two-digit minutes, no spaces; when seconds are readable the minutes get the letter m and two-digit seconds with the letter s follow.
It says 6h29
